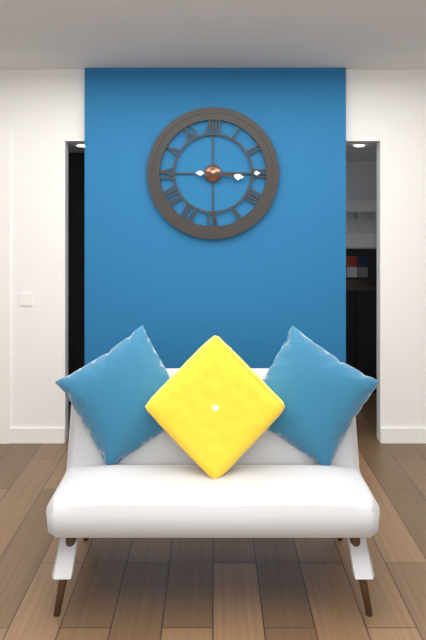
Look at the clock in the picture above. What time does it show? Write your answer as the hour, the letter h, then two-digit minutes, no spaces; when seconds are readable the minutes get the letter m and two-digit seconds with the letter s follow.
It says 3h15
